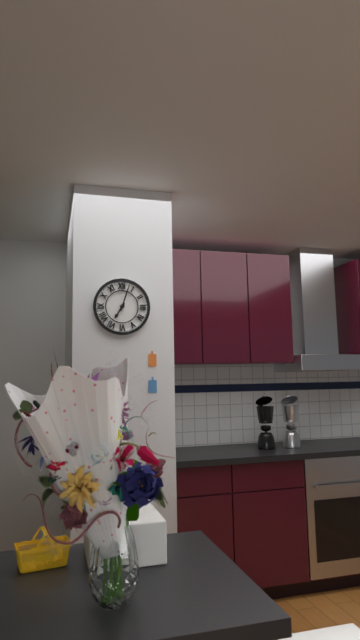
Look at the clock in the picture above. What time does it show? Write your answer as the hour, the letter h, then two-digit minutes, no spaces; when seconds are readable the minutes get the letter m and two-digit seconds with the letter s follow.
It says 7h03
